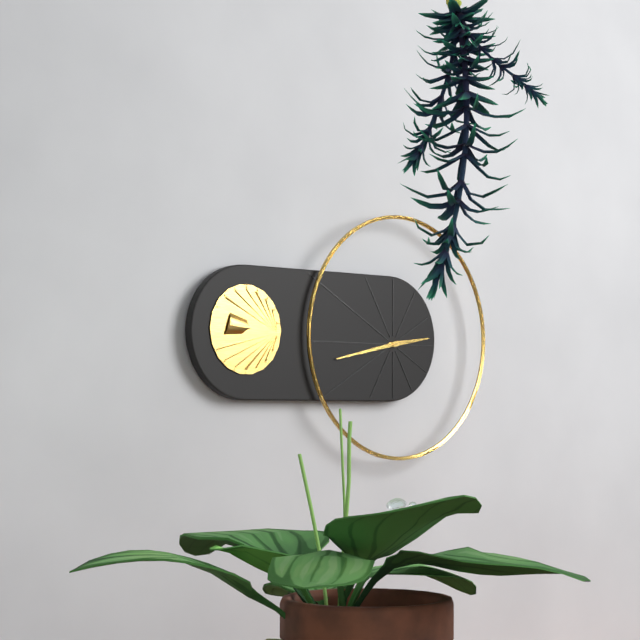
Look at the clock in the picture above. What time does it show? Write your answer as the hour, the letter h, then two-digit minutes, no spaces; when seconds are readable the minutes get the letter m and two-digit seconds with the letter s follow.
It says 2h43
